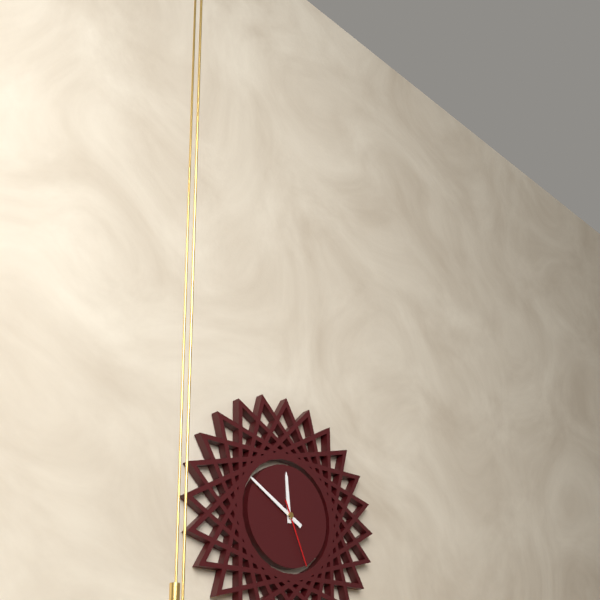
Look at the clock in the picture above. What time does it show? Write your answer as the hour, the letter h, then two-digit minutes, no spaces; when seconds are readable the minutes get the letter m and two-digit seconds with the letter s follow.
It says 11h50m26s
